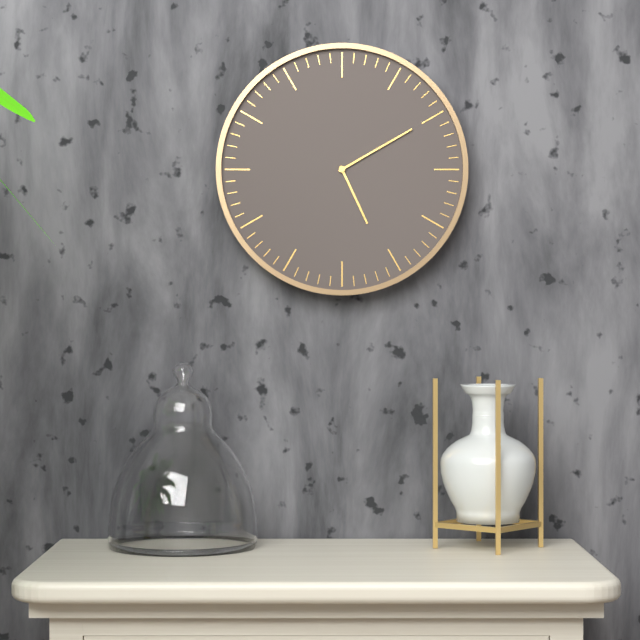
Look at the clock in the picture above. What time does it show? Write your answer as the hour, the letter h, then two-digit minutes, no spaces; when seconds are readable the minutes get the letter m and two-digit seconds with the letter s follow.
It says 5h10
